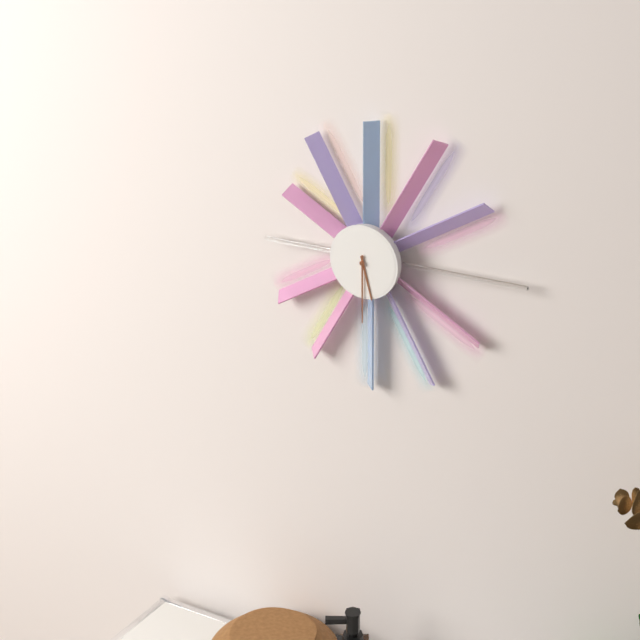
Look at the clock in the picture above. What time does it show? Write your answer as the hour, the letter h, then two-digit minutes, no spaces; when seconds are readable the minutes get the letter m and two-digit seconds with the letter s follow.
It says 5h30
